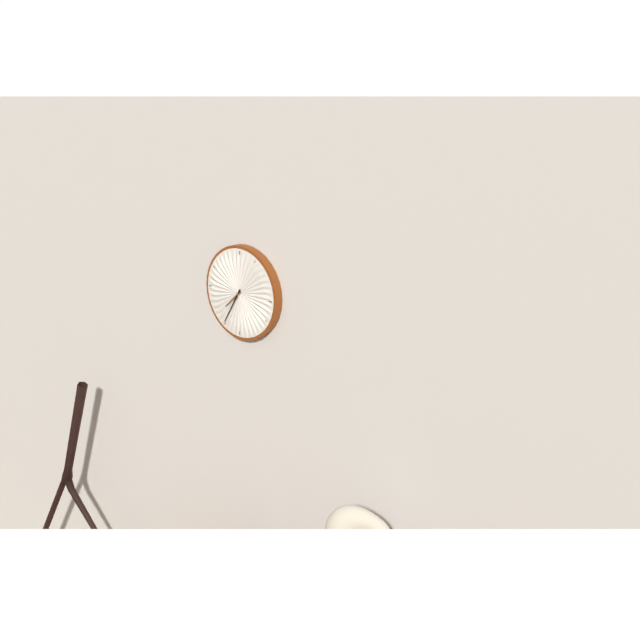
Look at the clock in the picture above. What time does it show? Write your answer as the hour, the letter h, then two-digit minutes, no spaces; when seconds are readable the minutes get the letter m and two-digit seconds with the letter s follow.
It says 7h35
